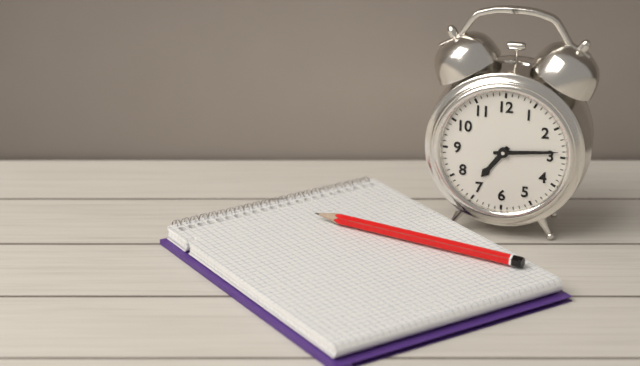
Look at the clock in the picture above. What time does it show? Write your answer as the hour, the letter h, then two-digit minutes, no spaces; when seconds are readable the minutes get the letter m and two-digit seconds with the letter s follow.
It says 7h14
